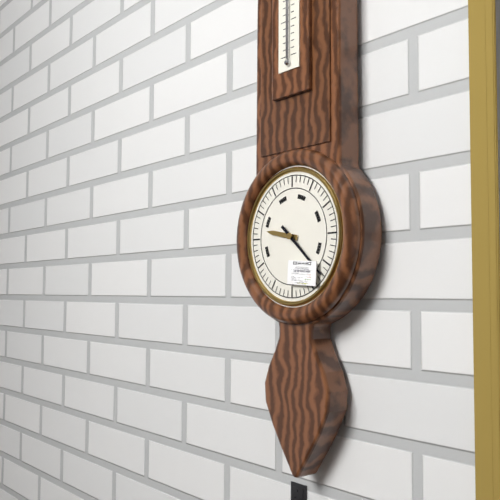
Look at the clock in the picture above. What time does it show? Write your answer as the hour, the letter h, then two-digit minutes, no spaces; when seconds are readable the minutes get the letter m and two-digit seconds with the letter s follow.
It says 9h22
